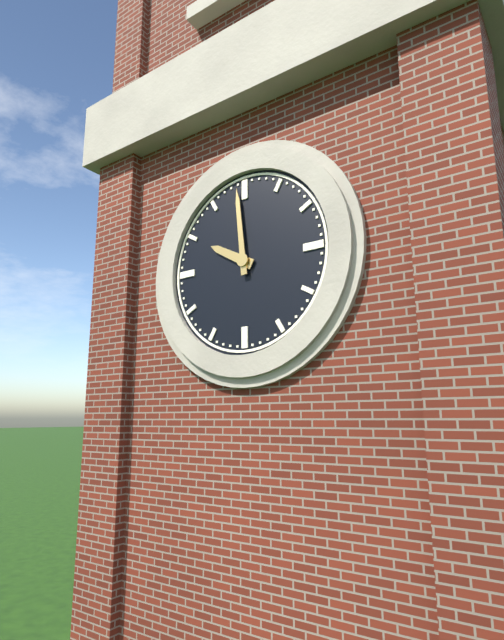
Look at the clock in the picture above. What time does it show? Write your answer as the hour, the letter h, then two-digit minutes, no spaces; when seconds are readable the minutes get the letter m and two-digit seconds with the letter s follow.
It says 9h59
